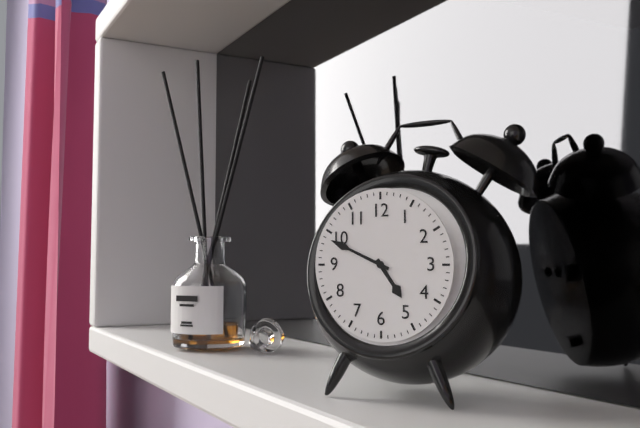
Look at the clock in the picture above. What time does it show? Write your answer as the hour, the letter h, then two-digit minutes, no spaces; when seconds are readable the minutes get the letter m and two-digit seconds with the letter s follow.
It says 4h49
